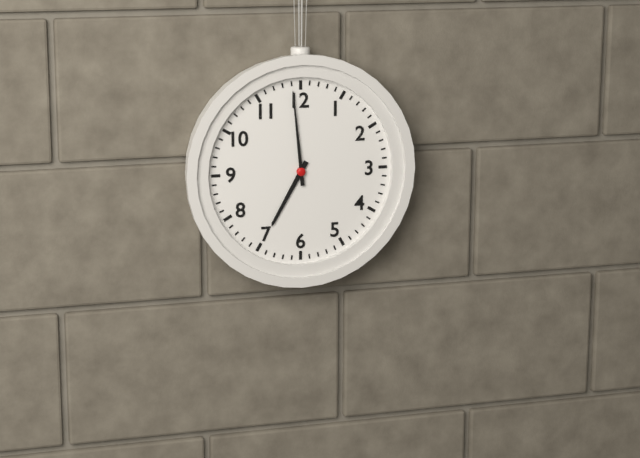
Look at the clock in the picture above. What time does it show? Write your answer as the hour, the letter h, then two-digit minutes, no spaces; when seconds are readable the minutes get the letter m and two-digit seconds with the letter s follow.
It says 6h59
